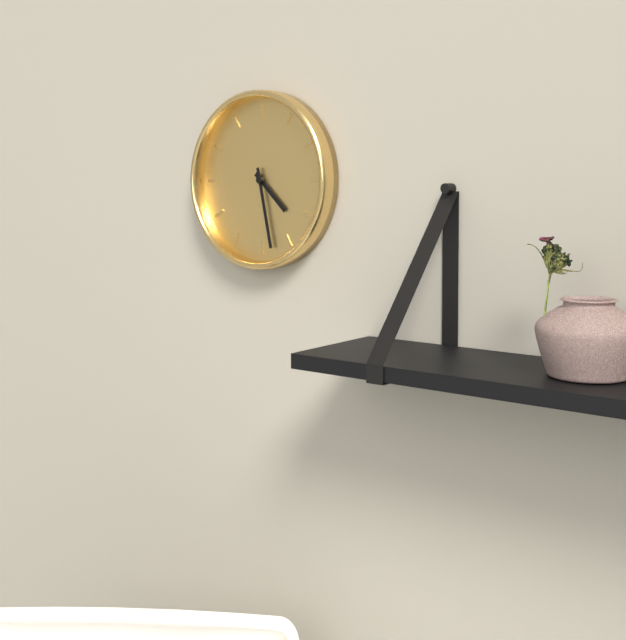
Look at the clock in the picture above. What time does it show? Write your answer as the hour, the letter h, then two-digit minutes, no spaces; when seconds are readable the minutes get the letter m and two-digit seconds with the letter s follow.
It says 4h28
